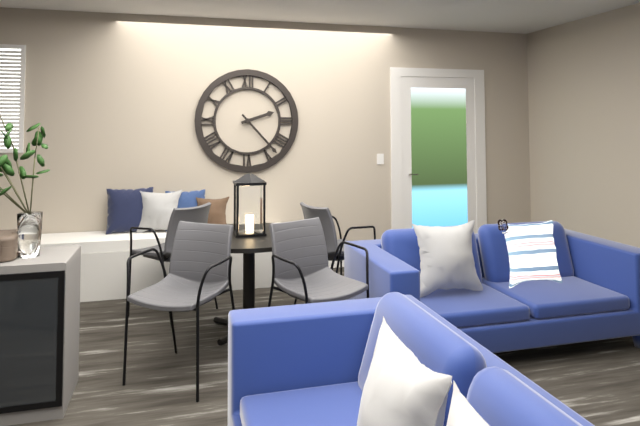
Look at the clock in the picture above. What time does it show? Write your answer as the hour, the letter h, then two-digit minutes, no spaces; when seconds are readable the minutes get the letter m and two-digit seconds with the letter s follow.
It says 2h23
